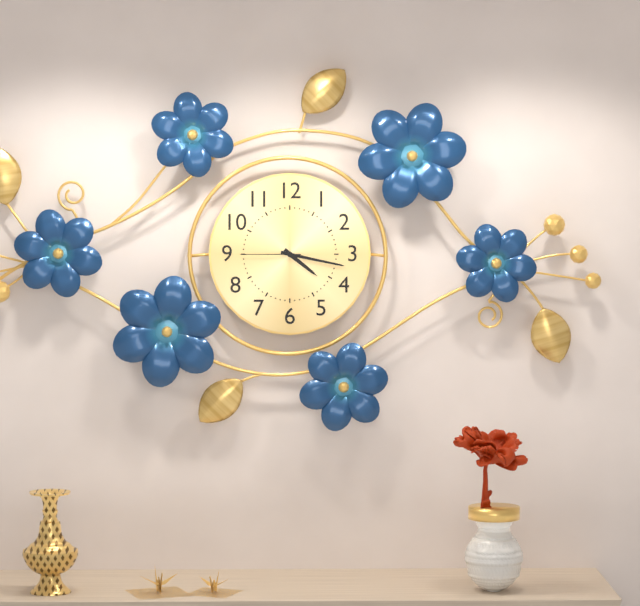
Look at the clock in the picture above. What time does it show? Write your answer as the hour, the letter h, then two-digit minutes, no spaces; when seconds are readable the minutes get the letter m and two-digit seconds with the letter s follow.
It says 4h17m45s
